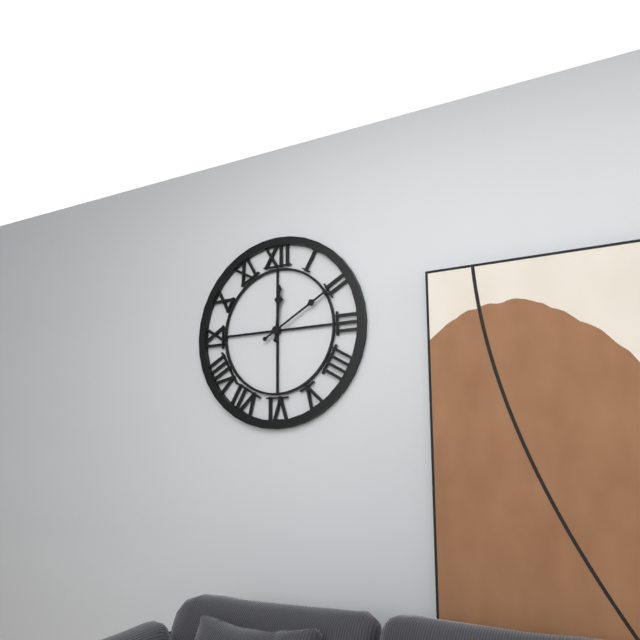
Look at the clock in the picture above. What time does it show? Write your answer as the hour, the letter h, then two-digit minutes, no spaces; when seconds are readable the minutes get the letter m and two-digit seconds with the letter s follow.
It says 12h10
